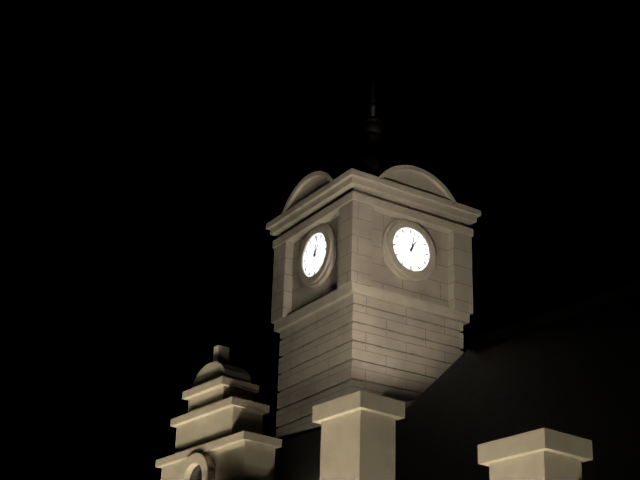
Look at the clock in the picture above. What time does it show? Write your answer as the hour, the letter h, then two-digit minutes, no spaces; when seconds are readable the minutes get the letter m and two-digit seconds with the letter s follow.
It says 1h02
